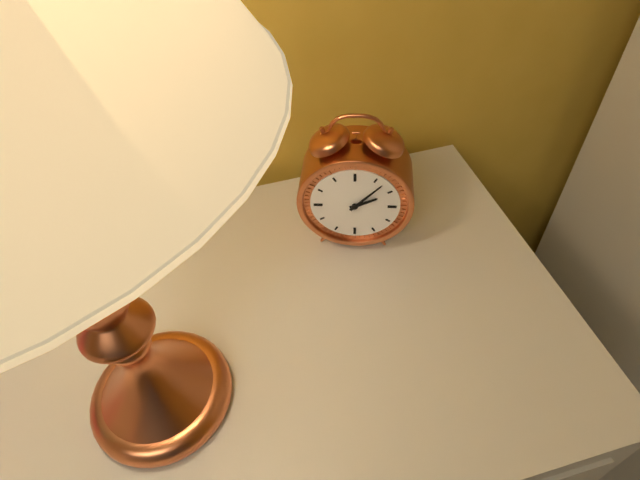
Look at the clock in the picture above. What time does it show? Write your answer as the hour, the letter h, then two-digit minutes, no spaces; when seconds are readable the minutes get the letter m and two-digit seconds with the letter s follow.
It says 2h07
